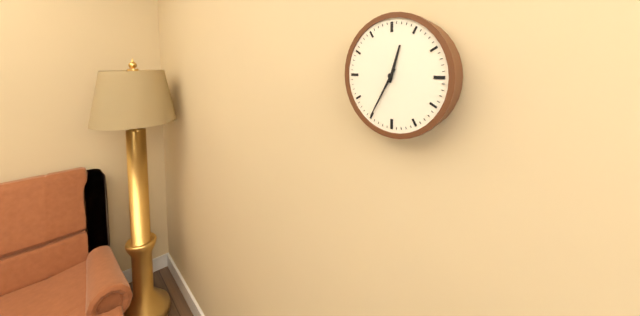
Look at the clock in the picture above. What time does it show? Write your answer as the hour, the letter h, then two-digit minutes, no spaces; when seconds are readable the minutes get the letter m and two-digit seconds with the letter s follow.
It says 12h35
